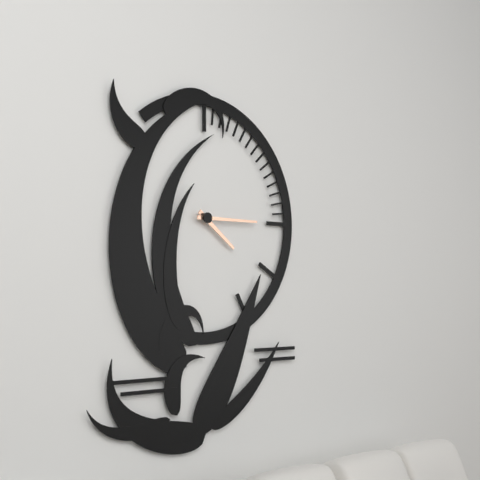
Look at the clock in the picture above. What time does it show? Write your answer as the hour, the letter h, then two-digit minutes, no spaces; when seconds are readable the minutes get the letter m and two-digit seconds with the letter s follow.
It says 4h15
